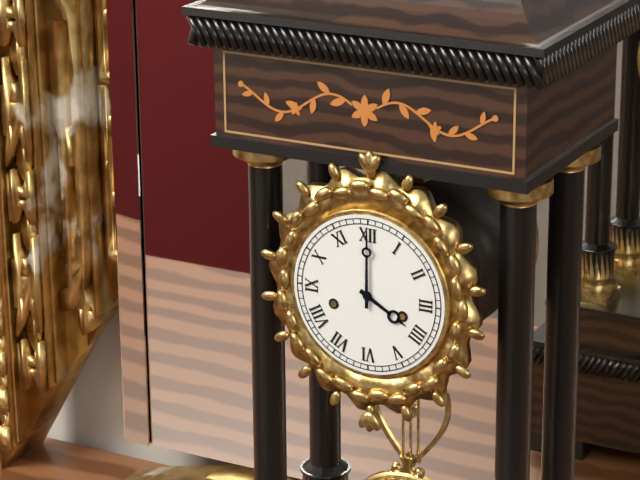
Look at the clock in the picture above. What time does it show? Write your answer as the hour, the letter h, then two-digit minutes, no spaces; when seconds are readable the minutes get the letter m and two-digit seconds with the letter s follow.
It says 4h00
